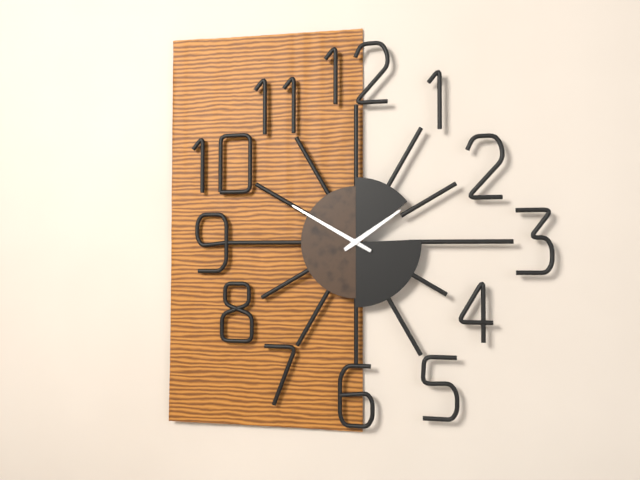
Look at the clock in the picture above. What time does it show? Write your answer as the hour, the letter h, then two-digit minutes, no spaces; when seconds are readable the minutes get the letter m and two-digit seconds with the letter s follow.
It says 1h50
